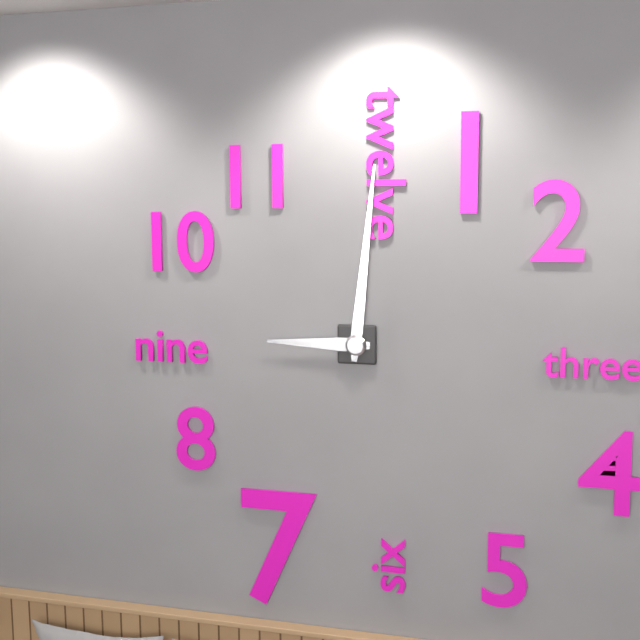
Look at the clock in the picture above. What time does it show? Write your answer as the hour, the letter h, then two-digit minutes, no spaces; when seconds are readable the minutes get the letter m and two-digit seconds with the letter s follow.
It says 9h01
